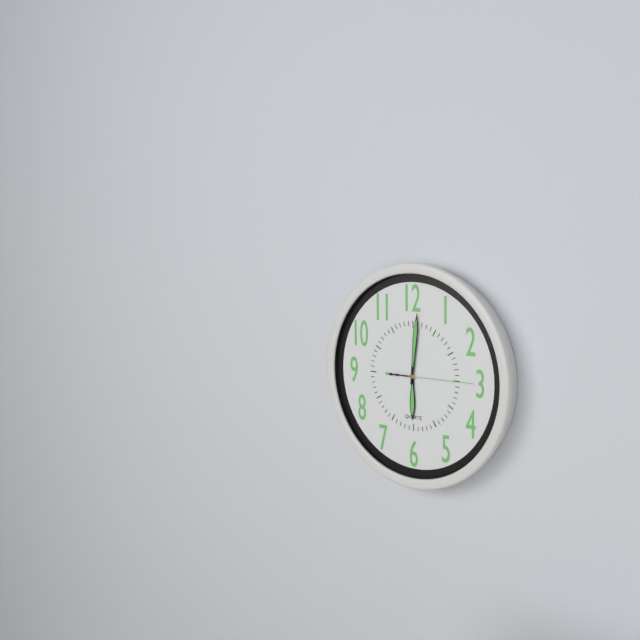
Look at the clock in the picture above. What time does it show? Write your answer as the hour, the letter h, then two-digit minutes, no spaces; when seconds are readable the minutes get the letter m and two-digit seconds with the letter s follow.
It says 6h01m15s
